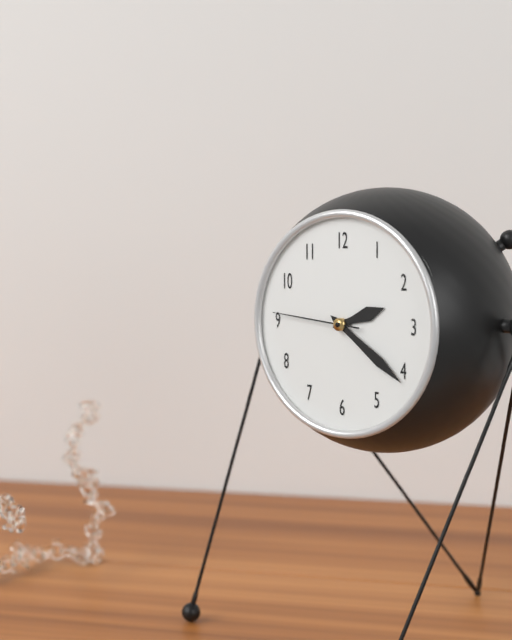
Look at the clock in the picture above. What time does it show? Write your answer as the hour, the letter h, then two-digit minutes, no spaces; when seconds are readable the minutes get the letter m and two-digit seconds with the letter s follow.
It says 2h21m46s
